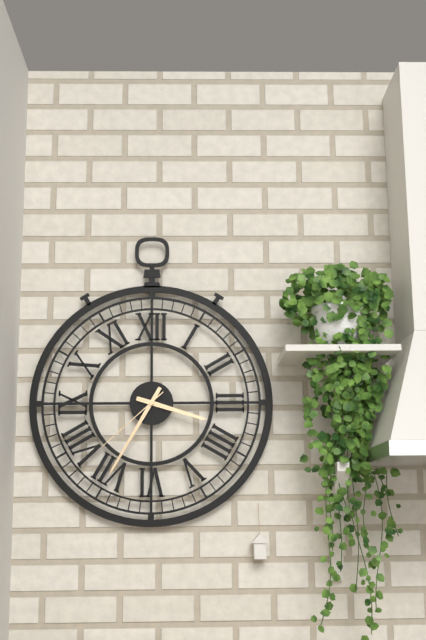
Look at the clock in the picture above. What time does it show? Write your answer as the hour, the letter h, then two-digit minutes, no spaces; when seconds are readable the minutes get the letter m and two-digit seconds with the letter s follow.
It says 3h35m38s
